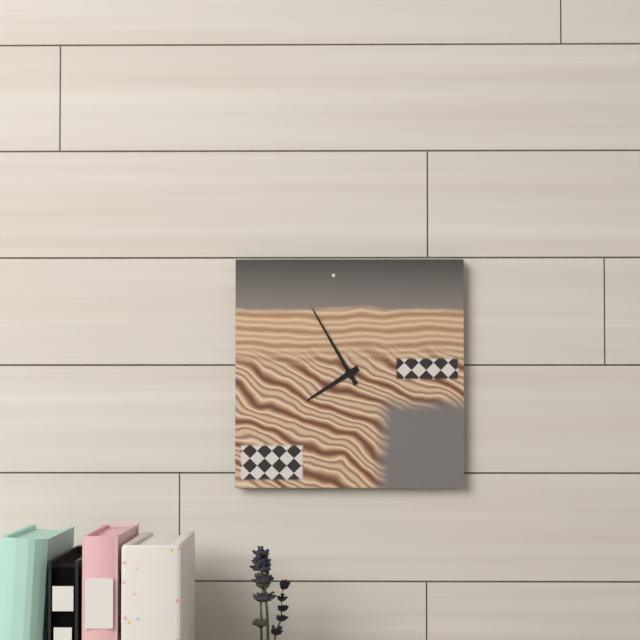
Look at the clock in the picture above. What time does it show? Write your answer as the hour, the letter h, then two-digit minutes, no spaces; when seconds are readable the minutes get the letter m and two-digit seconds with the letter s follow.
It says 7h55
